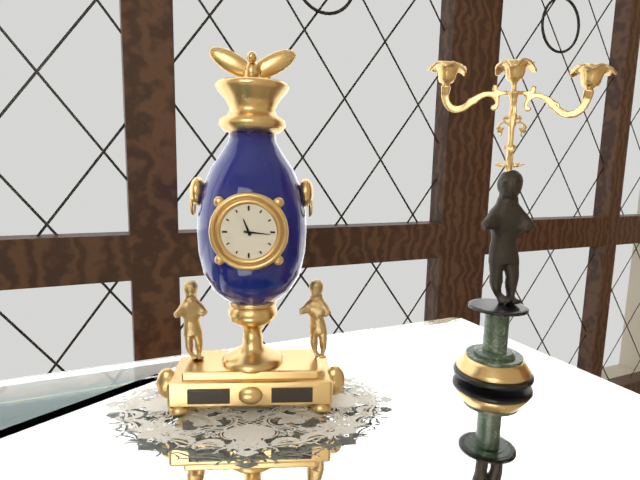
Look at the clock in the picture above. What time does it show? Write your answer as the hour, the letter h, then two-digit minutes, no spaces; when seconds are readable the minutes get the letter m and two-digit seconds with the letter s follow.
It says 11h16
